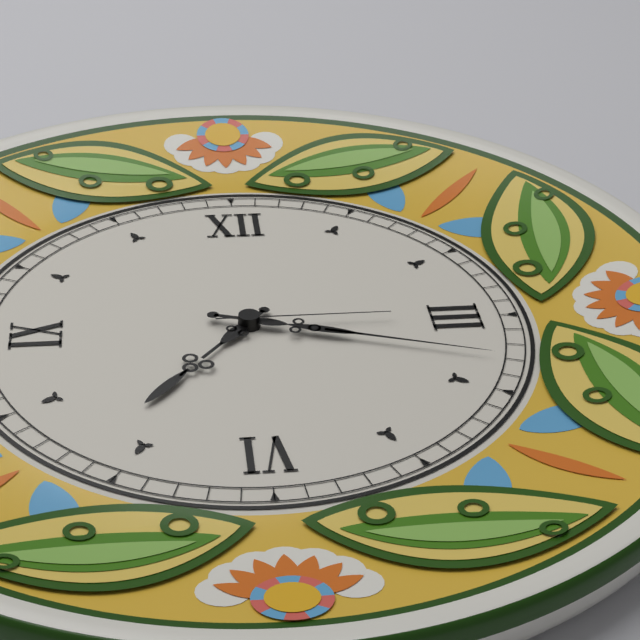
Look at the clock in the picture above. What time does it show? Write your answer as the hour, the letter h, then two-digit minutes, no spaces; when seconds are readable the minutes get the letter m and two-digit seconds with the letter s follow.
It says 7h18m15s
